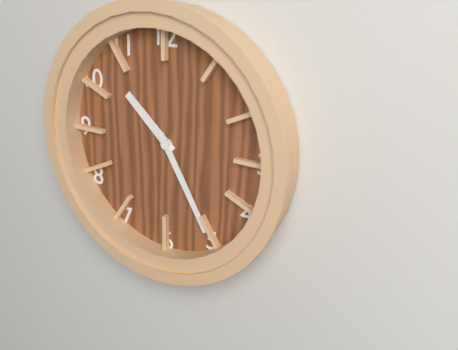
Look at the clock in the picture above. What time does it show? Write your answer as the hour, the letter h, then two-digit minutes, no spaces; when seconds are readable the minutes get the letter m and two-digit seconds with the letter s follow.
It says 10h25
